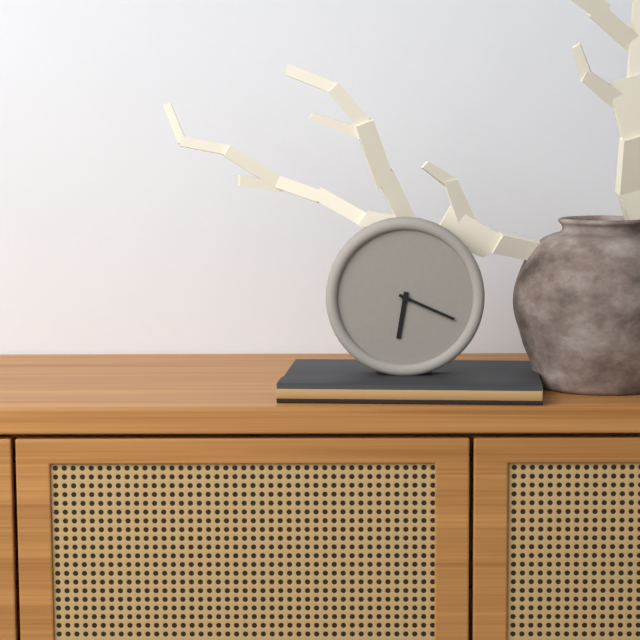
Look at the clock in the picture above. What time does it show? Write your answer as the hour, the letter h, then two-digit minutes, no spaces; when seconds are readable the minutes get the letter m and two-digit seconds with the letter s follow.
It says 6h19
